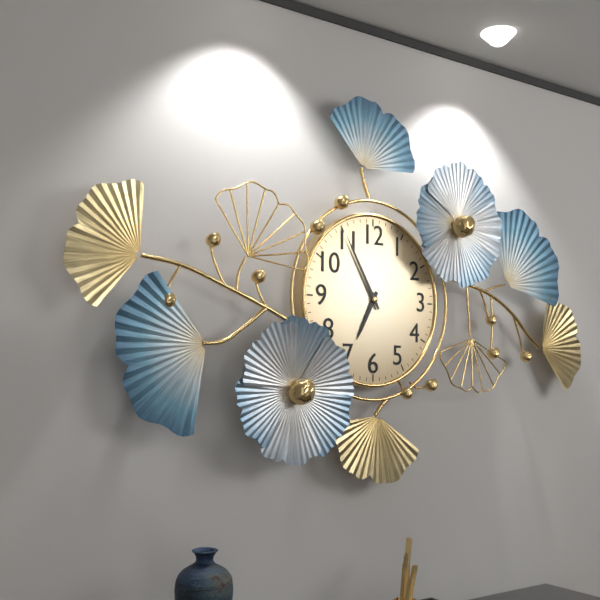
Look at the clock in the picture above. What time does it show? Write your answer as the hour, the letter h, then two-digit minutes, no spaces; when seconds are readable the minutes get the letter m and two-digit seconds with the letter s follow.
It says 6h55
